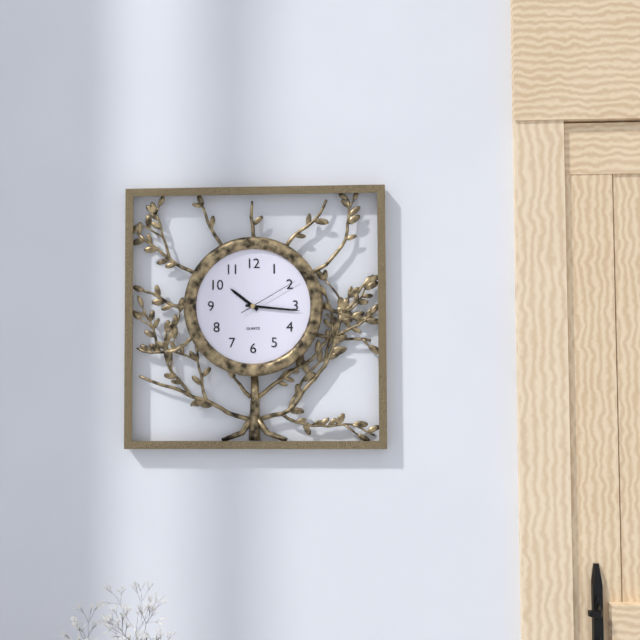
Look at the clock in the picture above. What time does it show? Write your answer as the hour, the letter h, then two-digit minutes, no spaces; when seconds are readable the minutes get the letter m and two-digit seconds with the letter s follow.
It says 10h16m10s
